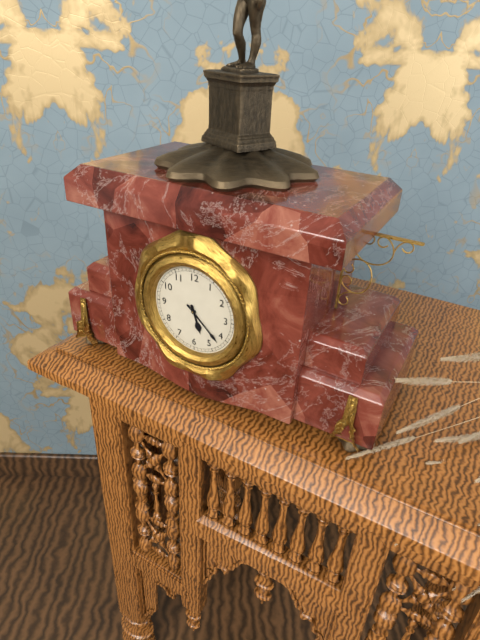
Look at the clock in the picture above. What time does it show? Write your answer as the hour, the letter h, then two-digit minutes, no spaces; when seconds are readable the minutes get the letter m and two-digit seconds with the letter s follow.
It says 5h22
